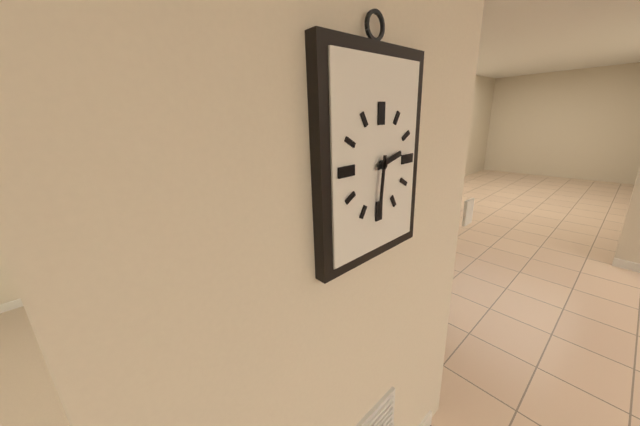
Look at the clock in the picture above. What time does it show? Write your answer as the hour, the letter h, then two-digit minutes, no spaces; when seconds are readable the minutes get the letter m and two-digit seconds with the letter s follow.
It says 2h31
